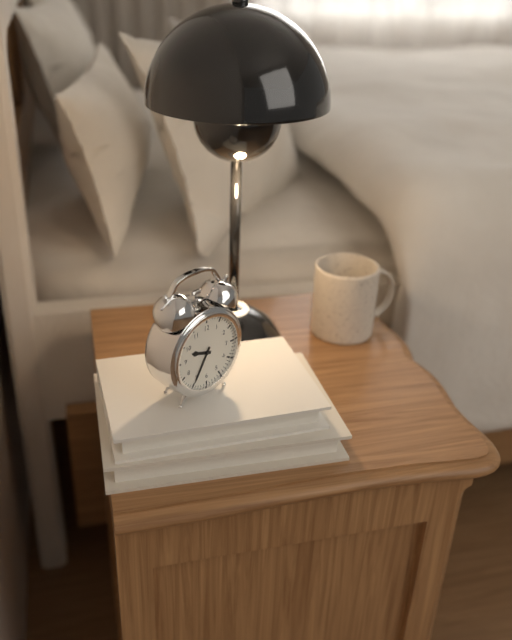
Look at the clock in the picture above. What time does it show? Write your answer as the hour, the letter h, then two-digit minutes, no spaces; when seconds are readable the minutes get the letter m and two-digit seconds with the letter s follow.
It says 9h35
